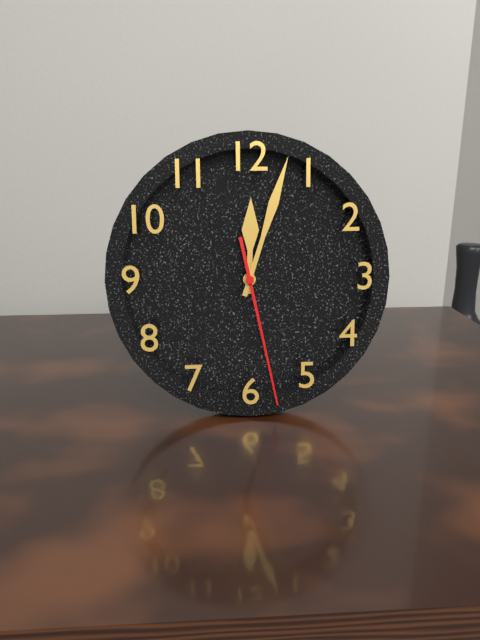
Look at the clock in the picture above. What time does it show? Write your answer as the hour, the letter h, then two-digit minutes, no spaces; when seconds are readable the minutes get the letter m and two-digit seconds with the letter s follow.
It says 12h03m28s
